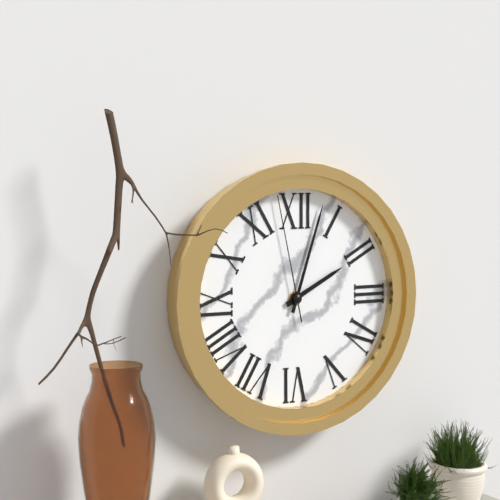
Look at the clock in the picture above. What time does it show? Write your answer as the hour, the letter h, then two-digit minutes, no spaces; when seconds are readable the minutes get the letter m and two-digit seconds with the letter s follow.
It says 2h03m58s
